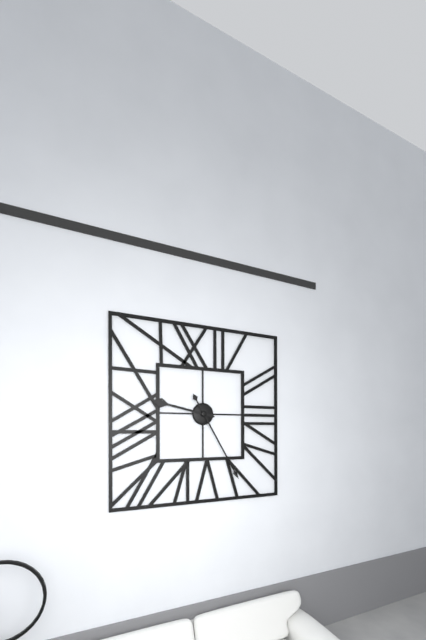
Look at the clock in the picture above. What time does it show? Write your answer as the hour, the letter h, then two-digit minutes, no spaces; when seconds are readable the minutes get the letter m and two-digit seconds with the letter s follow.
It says 9h25
